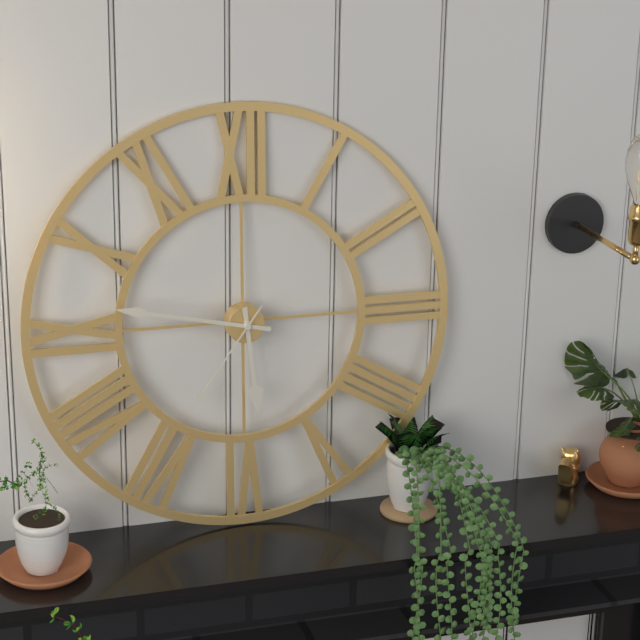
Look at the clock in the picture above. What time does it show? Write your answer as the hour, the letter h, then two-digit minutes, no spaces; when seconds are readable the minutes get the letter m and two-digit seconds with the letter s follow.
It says 5h47m36s
